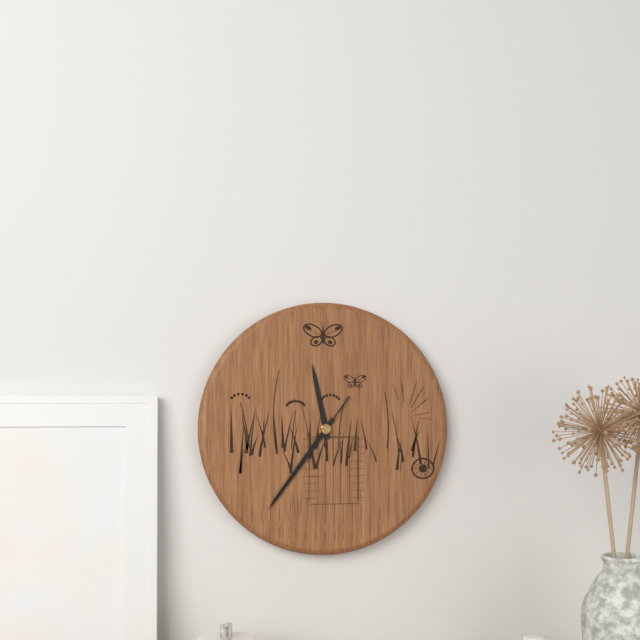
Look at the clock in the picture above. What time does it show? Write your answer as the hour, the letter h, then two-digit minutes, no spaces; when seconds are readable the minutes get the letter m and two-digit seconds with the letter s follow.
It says 11h36m36s
